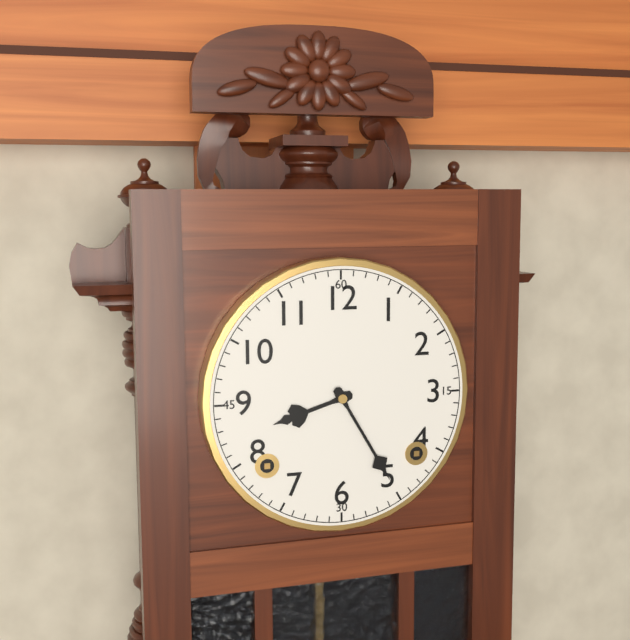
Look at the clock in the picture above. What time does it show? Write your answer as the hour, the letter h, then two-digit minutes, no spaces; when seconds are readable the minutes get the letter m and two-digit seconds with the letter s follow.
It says 8h25
